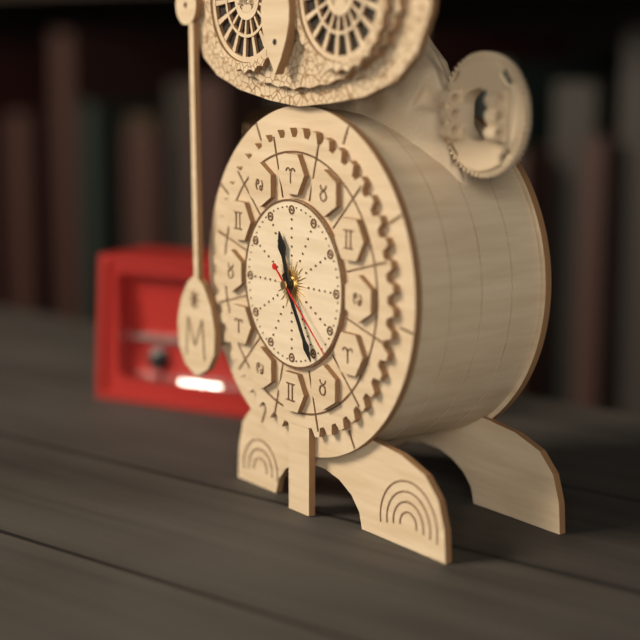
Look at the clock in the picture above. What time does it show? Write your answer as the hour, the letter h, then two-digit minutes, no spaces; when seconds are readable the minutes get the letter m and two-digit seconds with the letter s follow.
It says 11h25m22s
